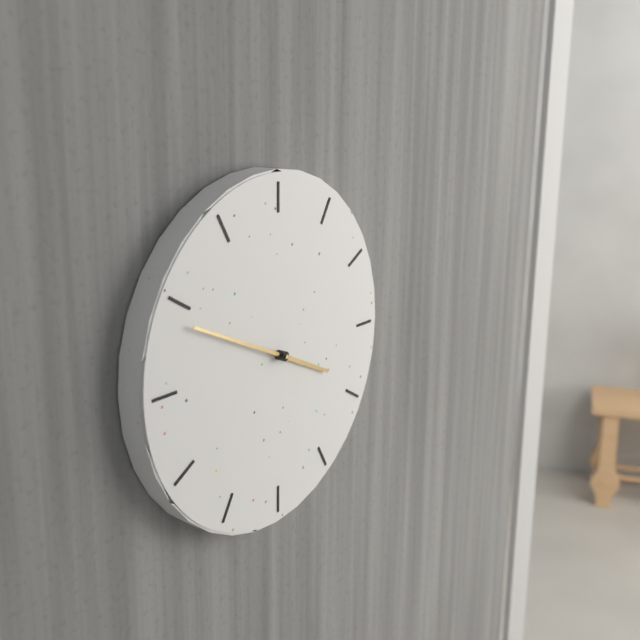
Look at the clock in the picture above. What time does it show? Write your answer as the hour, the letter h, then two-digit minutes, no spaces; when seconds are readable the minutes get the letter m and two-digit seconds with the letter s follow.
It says 3h49
